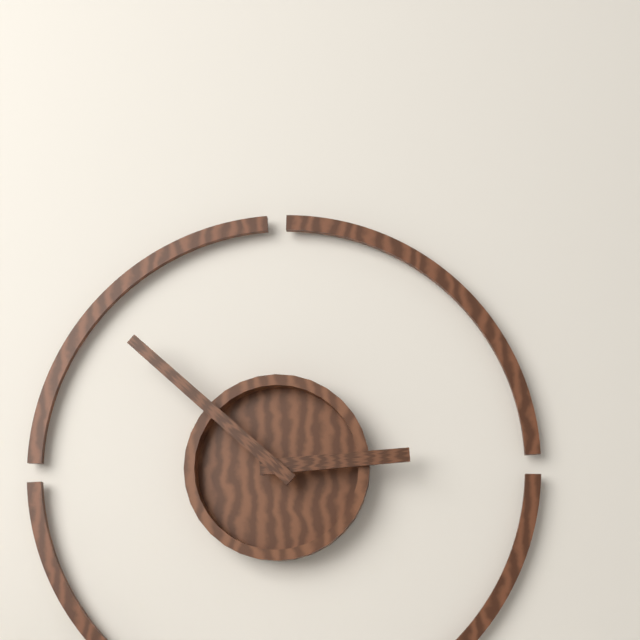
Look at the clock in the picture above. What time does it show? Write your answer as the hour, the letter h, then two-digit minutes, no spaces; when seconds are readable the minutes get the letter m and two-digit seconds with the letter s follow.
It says 2h52
